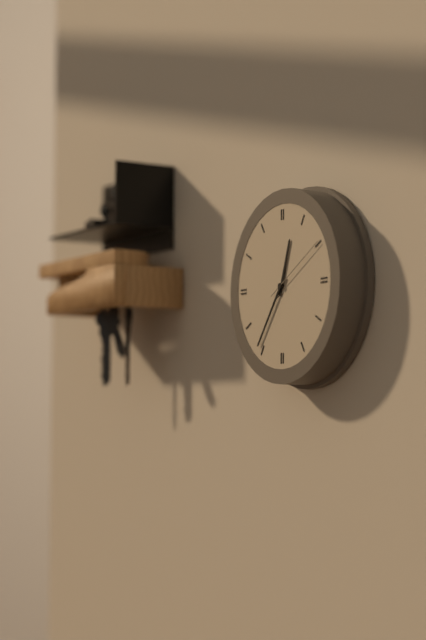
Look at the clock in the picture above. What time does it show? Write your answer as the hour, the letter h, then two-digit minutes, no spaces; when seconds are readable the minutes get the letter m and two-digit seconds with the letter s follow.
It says 12h36m10s
